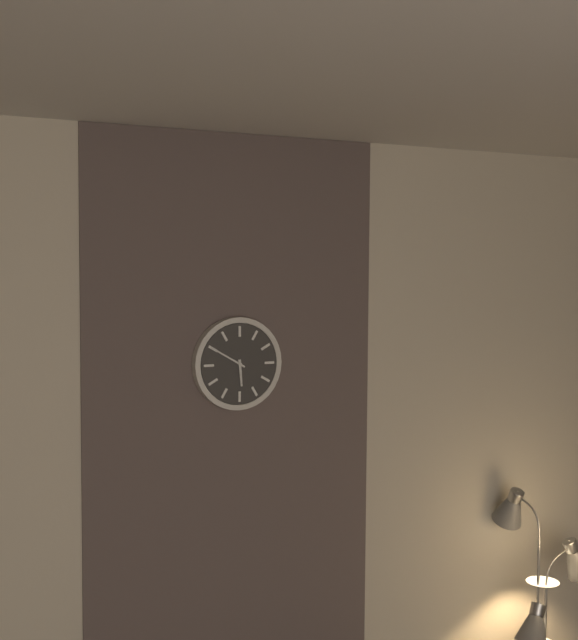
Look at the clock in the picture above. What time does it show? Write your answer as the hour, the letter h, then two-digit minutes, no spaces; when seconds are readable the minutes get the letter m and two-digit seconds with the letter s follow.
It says 5h50
